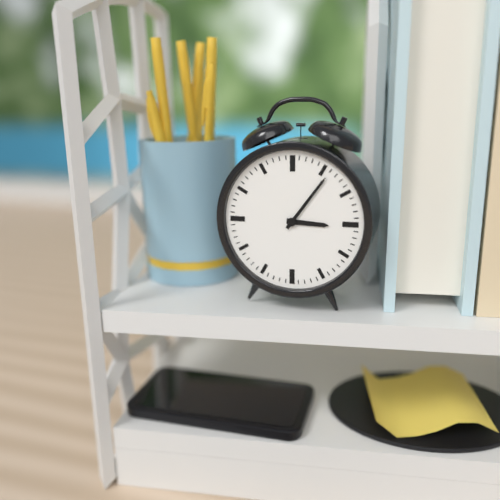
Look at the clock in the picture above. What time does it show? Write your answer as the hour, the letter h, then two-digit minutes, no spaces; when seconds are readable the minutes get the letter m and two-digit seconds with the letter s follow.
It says 3h06
